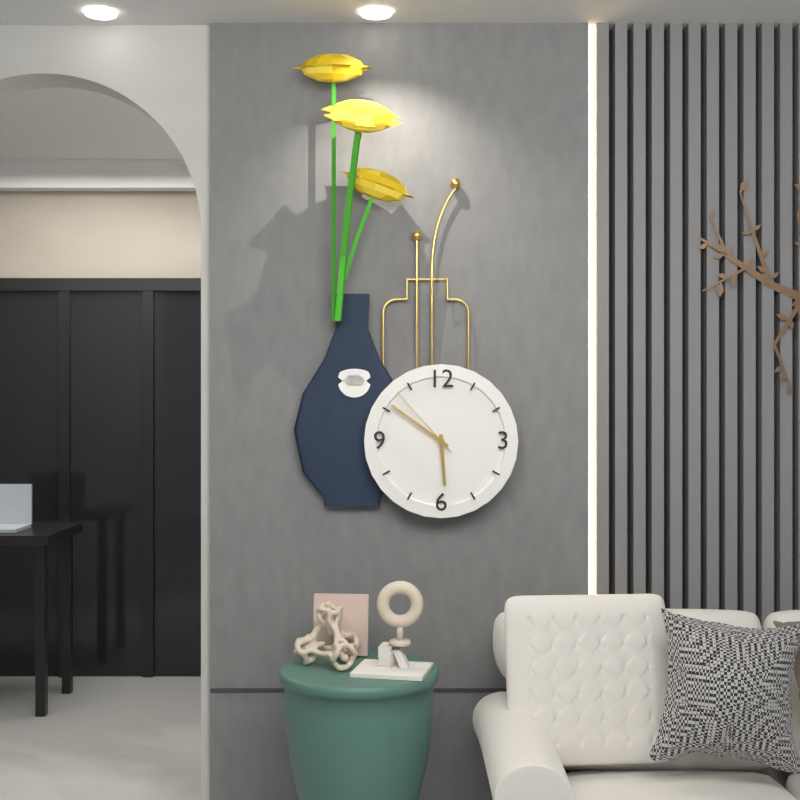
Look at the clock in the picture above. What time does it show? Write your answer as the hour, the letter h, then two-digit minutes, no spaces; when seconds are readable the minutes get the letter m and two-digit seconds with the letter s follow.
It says 5h51m53s
